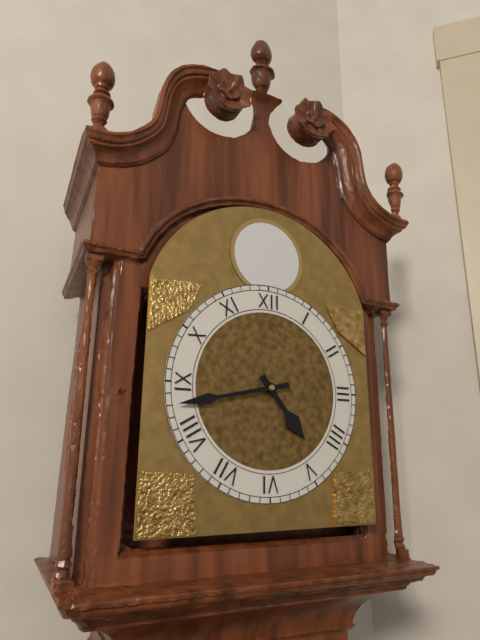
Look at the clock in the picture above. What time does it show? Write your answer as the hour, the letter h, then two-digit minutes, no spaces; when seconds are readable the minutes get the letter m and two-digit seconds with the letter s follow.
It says 4h43
